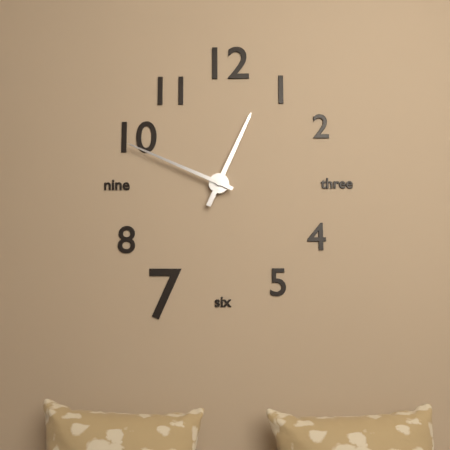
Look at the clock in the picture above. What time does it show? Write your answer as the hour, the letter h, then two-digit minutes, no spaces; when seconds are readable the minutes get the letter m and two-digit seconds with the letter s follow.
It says 12h49
